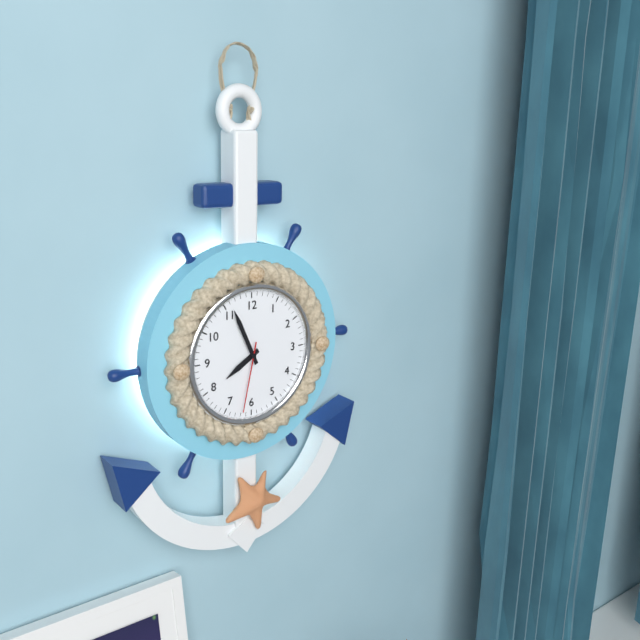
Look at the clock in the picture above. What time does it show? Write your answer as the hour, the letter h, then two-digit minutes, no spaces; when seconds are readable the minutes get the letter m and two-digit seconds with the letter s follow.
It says 7h56m32s
